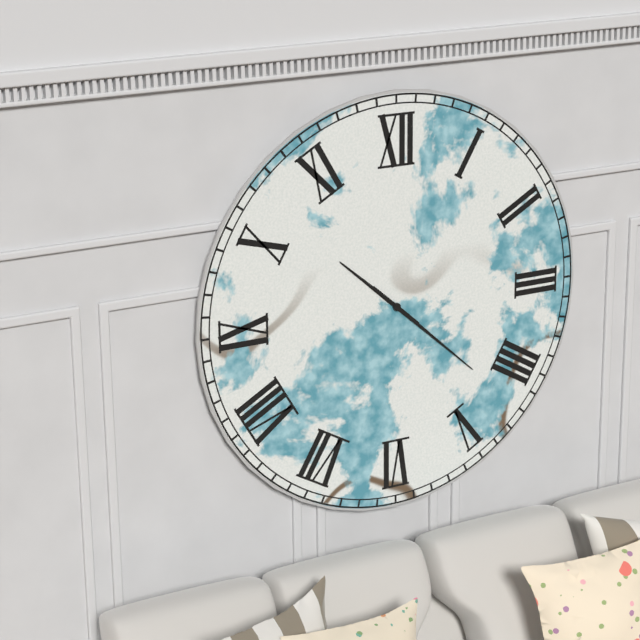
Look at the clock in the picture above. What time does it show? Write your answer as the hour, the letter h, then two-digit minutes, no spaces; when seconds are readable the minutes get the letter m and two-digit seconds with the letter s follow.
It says 10h22
